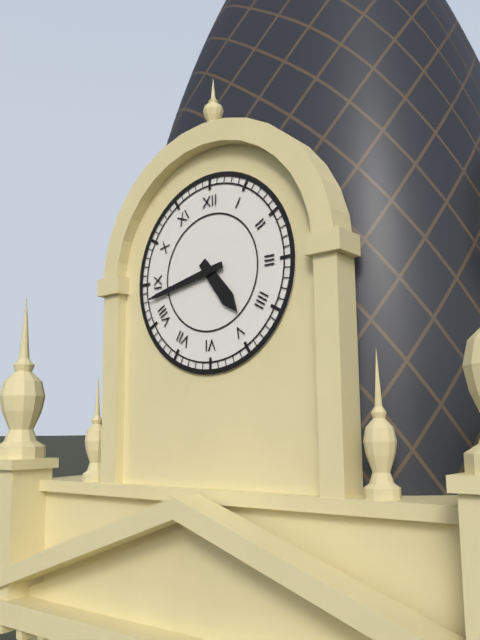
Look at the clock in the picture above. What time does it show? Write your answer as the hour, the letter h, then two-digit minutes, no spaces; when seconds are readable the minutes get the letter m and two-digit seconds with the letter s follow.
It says 4h43
